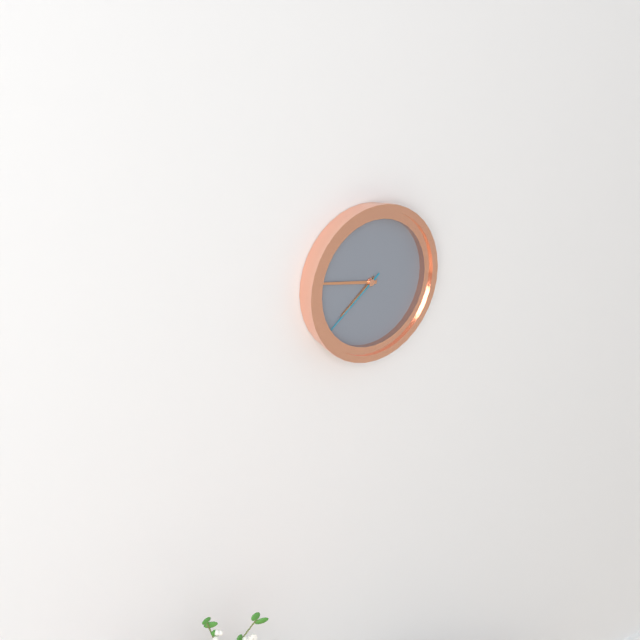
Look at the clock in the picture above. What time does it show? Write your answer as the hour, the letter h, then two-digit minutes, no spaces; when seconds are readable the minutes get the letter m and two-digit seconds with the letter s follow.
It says 7h47m39s
